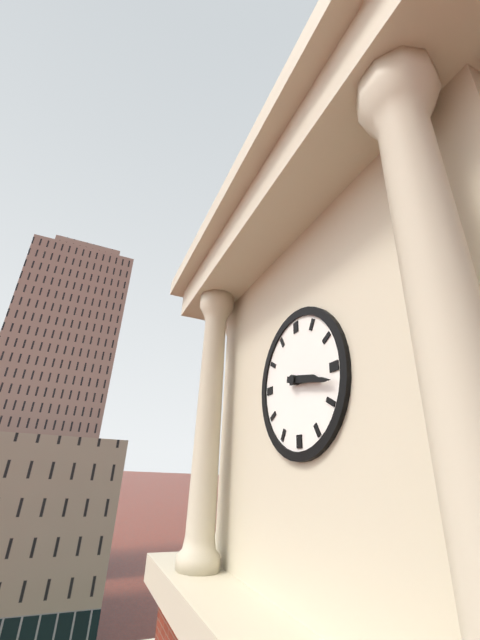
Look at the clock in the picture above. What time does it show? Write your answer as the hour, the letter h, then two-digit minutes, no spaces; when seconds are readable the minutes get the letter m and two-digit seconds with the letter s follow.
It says 3h17
